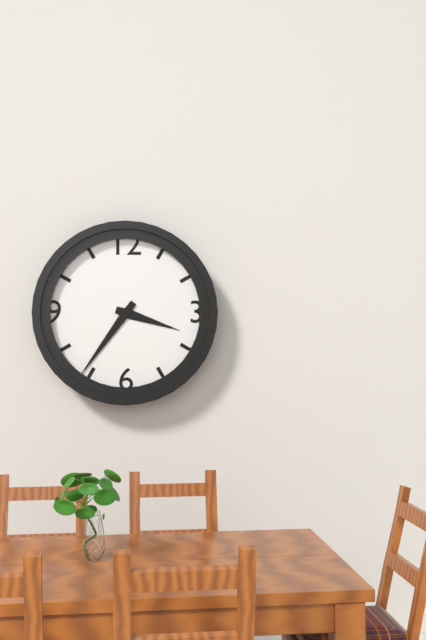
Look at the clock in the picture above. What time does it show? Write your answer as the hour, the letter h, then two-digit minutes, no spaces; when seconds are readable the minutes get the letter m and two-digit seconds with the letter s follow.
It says 3h36
